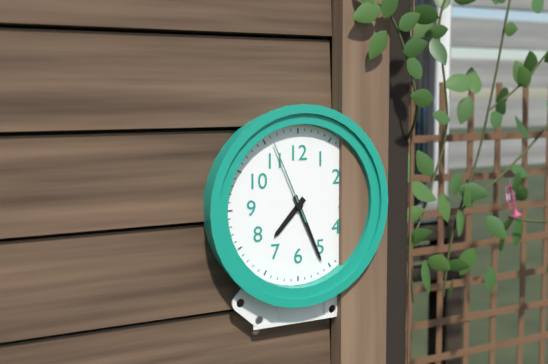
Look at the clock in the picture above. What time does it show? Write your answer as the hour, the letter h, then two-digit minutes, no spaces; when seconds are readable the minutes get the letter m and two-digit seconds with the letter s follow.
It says 7h26m56s
